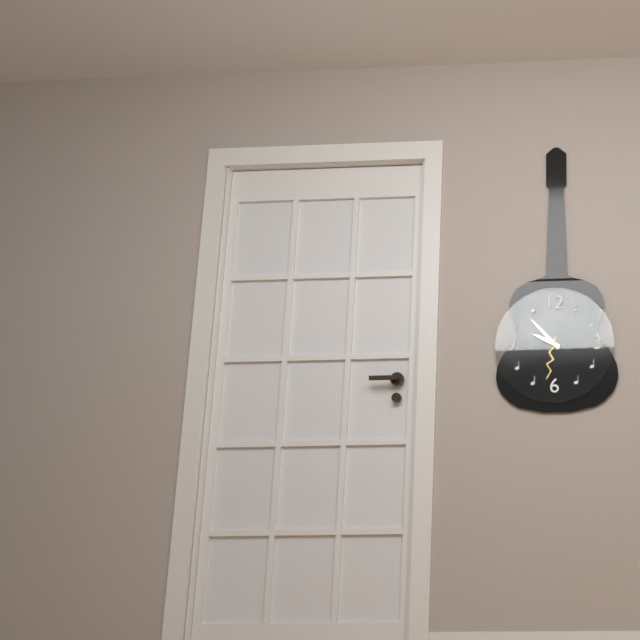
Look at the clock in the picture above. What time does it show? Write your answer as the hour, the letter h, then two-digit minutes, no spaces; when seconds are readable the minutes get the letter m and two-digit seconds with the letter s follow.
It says 9h53
